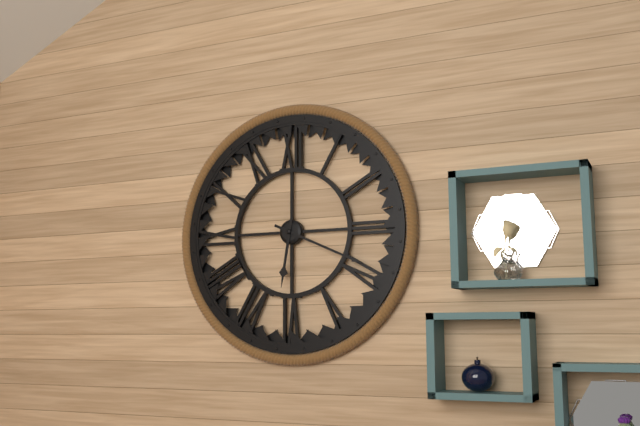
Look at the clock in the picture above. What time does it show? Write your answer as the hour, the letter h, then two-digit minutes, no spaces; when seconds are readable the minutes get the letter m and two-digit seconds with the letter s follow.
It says 6h19
